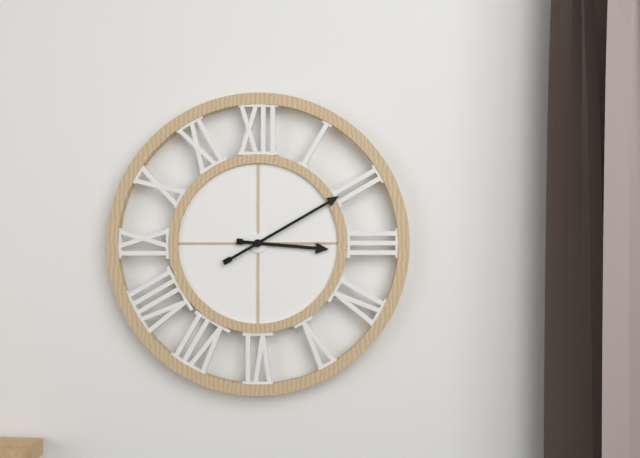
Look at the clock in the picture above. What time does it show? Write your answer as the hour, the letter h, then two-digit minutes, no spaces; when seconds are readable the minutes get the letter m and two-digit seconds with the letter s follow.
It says 3h10
